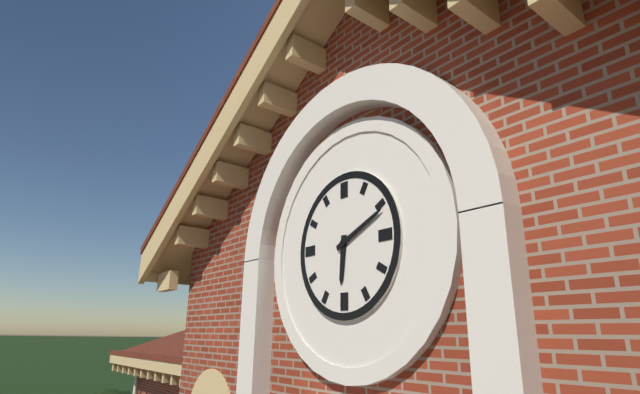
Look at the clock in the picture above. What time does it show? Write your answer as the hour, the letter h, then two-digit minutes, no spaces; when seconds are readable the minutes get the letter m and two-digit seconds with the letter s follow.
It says 6h11
